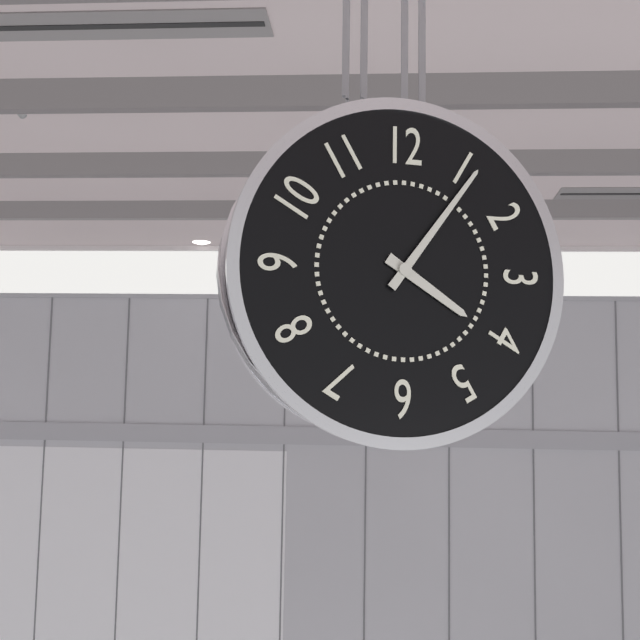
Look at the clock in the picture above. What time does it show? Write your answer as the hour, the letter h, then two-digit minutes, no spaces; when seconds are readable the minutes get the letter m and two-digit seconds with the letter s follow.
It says 4h06
